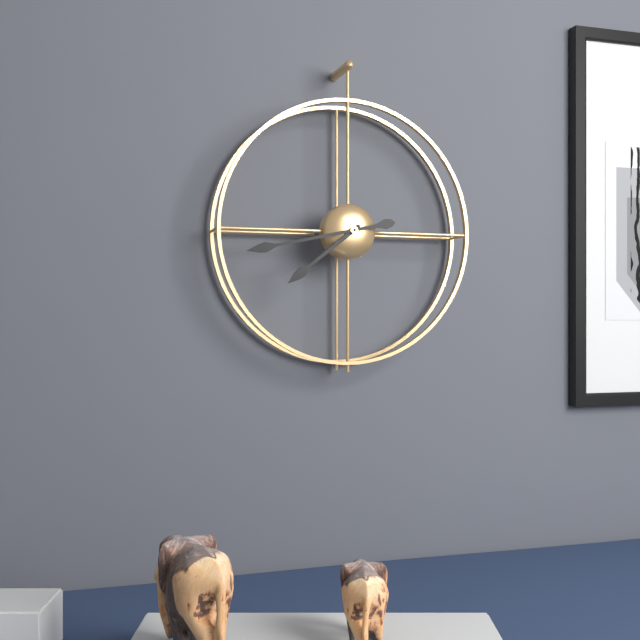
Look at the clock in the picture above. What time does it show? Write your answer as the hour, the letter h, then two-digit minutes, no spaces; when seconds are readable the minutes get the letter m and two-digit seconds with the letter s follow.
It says 7h43
